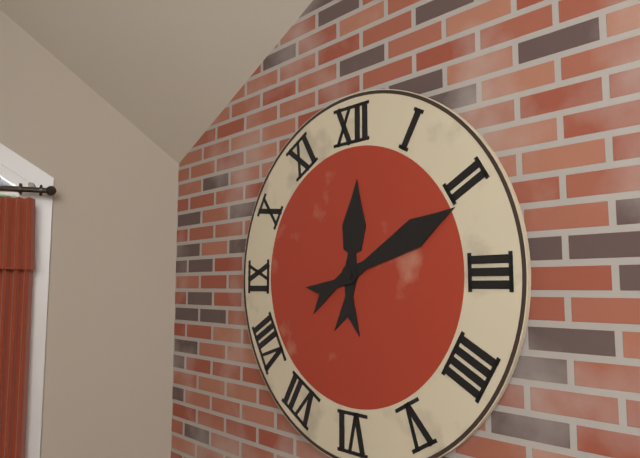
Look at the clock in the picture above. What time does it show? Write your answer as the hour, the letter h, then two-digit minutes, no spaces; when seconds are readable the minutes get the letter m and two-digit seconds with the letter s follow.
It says 12h11
